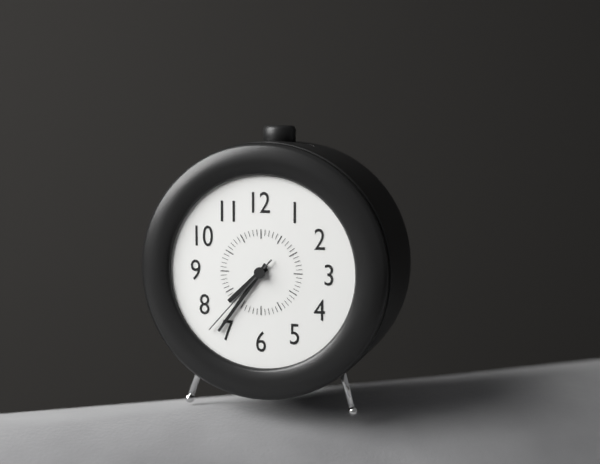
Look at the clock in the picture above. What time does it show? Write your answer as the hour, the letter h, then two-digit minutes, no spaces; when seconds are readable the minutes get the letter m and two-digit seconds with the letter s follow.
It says 7h36m37s
